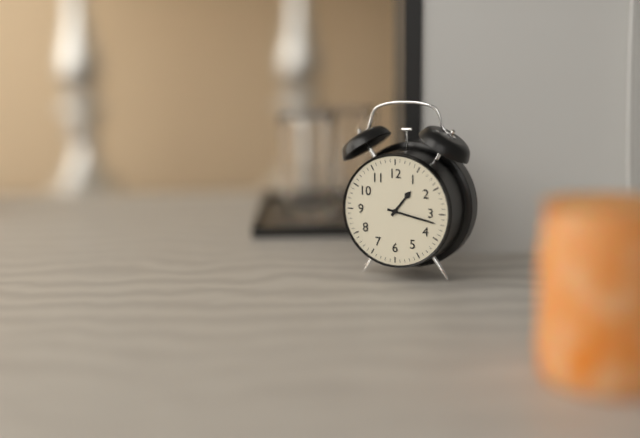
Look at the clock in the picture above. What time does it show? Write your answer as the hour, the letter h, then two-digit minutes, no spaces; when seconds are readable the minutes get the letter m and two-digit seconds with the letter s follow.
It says 1h17
